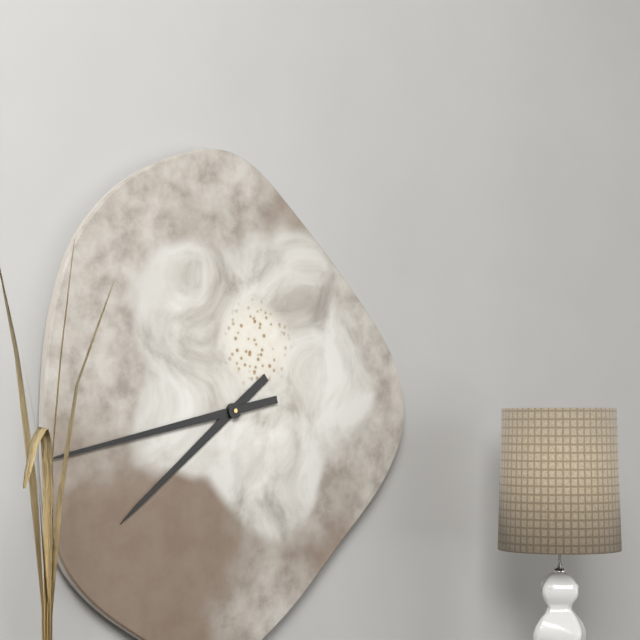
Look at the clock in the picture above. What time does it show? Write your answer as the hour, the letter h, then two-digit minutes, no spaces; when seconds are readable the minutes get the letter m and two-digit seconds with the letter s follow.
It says 7h43
